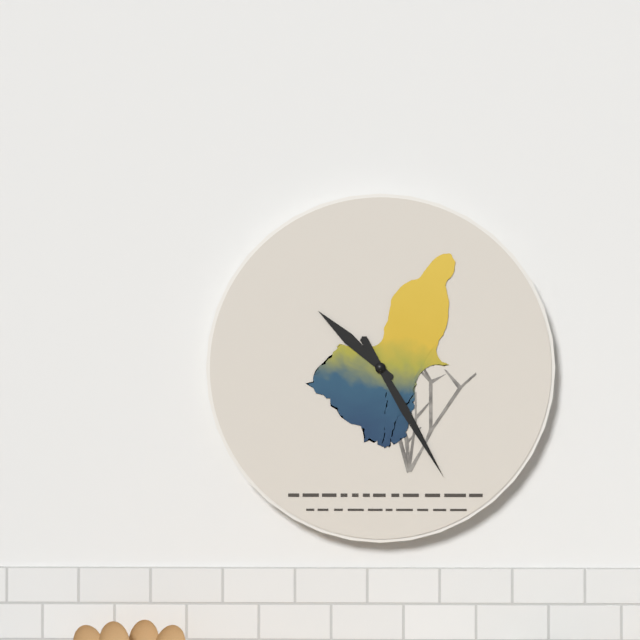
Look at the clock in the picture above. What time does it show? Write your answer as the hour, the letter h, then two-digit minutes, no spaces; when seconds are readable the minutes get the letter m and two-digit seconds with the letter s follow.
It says 10h25
